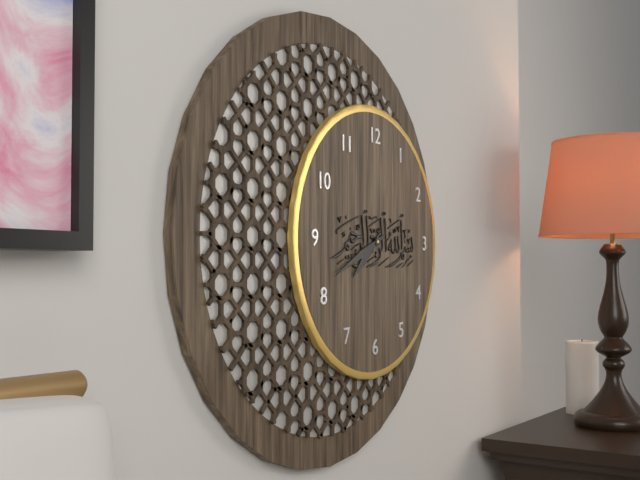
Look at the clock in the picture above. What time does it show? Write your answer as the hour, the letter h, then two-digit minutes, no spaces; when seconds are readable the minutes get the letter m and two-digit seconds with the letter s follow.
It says 7h41
